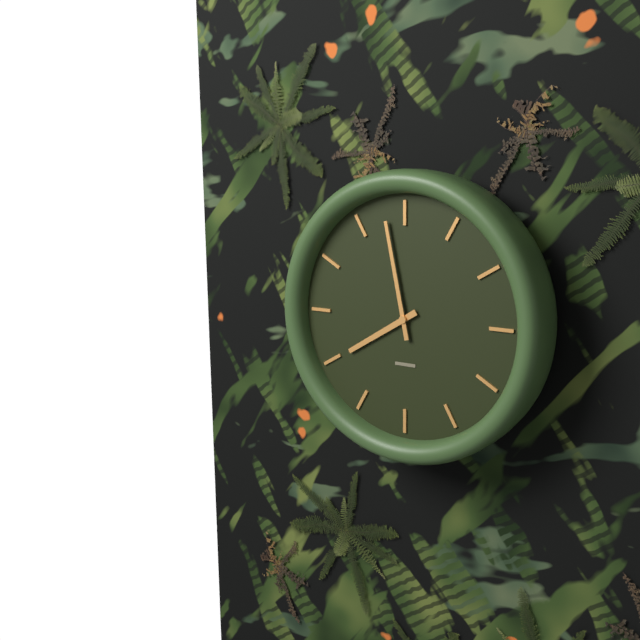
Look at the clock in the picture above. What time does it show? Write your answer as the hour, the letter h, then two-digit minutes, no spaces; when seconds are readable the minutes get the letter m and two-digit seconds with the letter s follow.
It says 7h58
